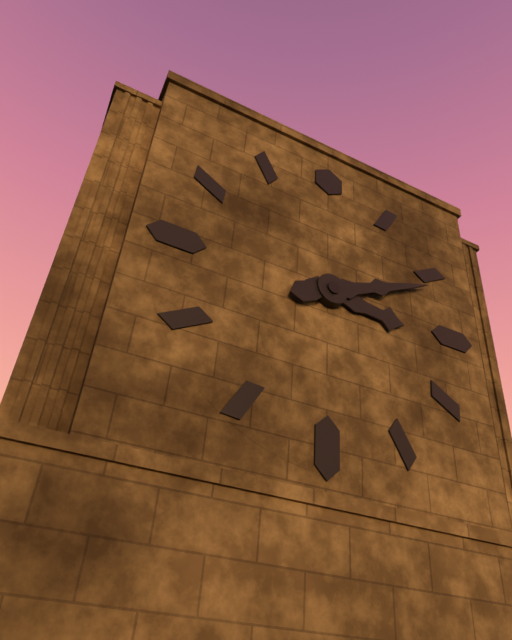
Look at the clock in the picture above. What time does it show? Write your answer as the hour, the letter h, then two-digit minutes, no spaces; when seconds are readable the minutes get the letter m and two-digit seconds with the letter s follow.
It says 3h11
